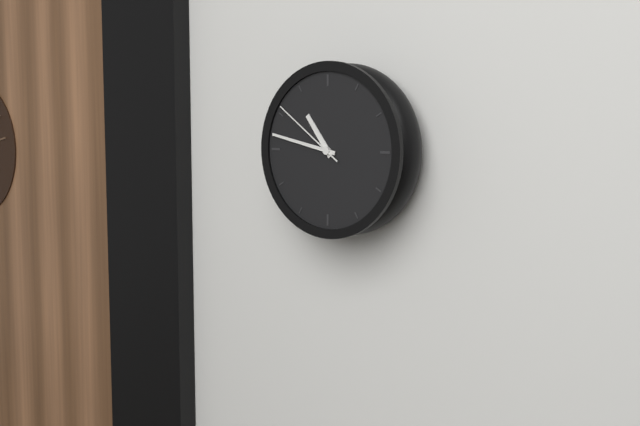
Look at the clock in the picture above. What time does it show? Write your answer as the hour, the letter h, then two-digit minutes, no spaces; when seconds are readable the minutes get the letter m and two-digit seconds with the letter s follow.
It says 10h47m51s
